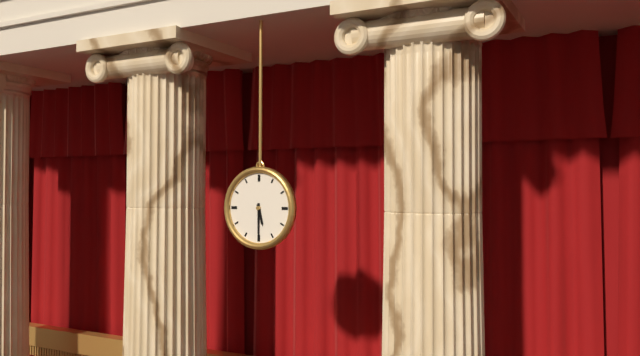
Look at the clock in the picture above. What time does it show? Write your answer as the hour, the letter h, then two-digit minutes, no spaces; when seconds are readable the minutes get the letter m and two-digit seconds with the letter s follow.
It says 5h30
